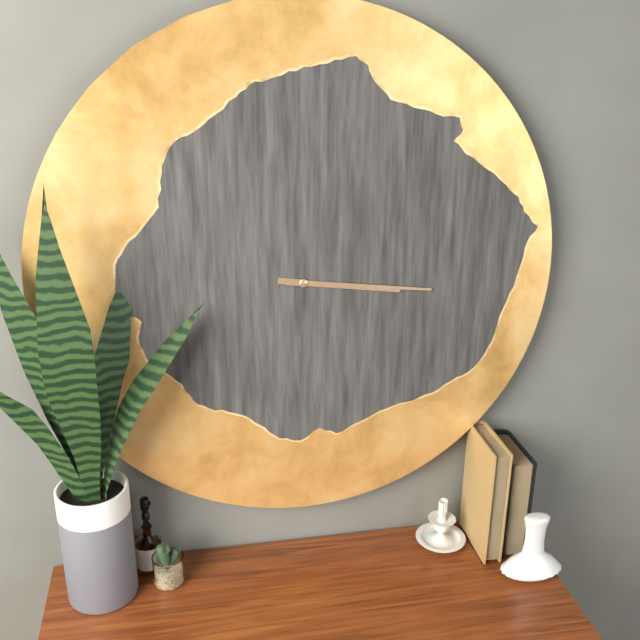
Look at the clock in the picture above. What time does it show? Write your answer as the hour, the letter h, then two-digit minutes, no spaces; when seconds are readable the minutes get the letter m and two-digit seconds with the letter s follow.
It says 3h16
